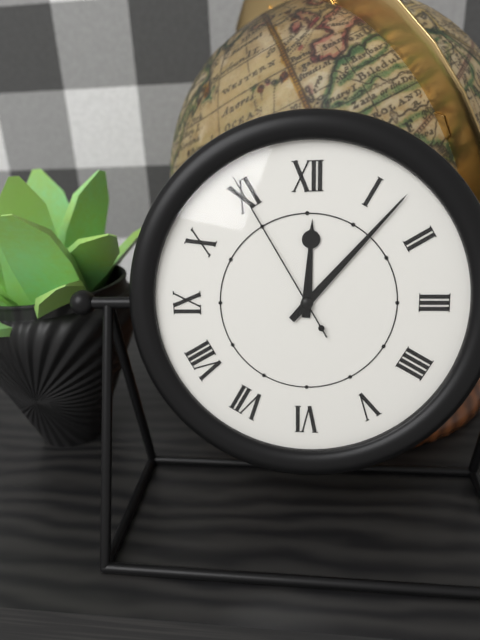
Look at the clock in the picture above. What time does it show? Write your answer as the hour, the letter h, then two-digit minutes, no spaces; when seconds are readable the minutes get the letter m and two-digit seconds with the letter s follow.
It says 12h07m55s
